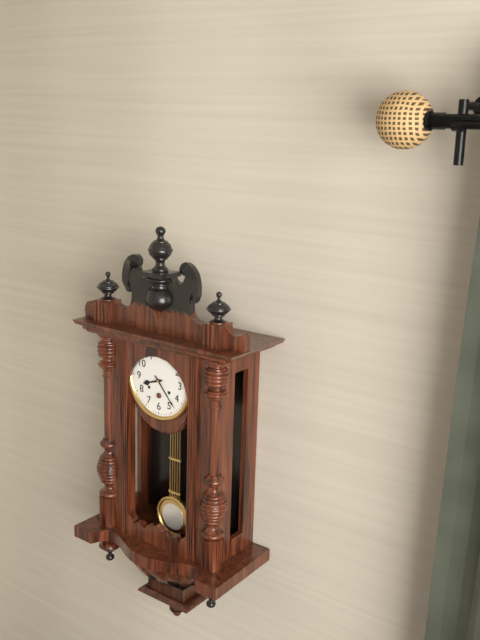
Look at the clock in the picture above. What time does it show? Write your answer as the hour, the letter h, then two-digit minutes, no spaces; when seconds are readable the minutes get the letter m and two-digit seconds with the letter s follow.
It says 8h23
